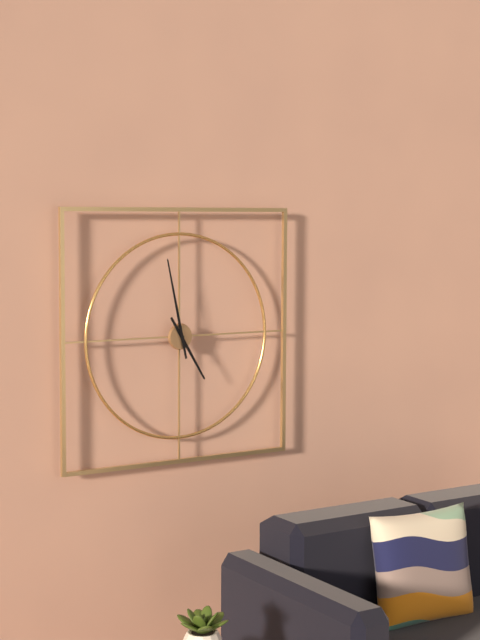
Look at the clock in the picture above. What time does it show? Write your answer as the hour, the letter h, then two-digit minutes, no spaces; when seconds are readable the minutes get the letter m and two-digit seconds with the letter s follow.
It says 4h58
